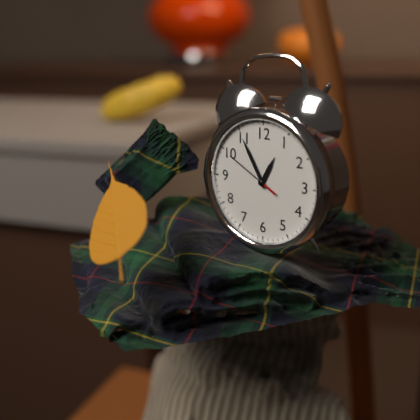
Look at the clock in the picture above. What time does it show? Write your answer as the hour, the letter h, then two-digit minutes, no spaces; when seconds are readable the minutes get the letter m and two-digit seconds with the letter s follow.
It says 12h55m50s
